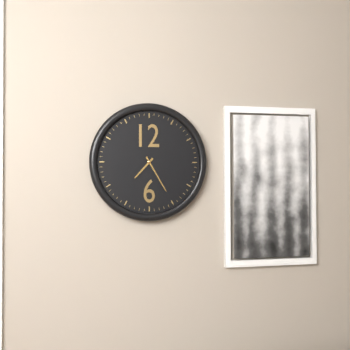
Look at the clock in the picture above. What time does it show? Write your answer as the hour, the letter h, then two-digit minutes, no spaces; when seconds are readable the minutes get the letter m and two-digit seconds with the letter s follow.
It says 7h25
